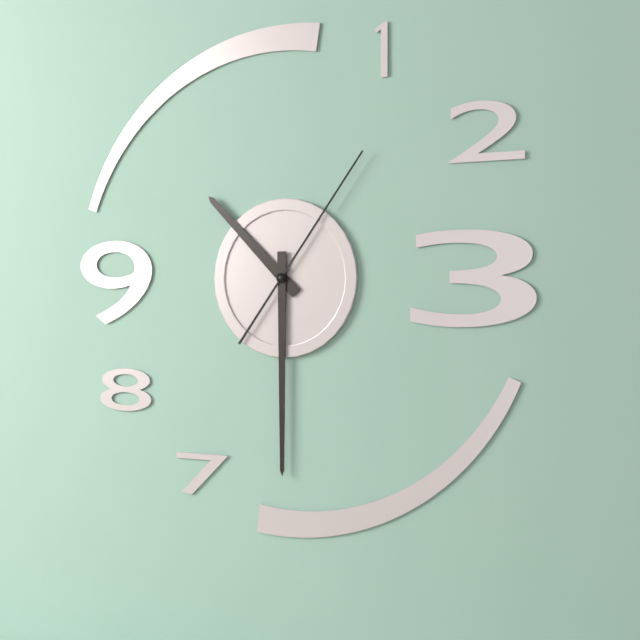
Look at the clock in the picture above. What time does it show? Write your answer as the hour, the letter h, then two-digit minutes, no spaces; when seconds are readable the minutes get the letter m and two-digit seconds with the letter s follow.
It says 10h30m06s
